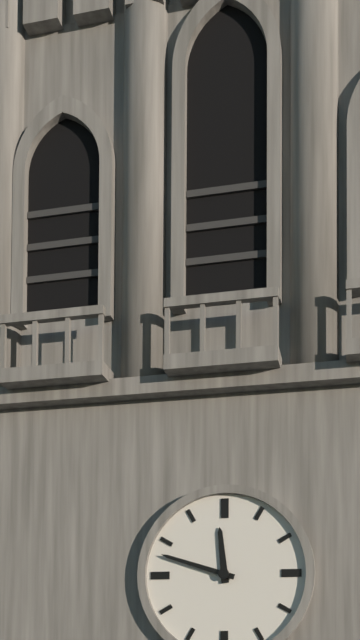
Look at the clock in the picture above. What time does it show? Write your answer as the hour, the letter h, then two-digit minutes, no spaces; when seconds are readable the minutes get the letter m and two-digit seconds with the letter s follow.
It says 11h48
